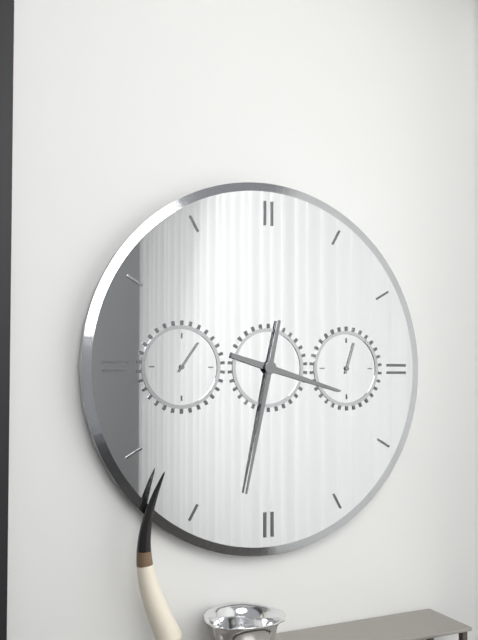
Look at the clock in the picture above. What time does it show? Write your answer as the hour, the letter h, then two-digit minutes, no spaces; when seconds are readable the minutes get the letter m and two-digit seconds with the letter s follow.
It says 3h32
